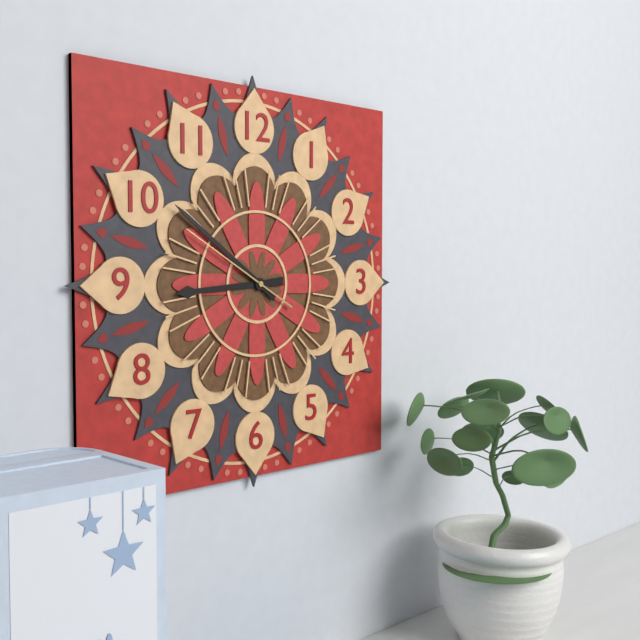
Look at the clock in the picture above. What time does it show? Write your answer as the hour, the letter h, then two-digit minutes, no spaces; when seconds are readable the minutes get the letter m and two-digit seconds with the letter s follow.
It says 8h51m50s
